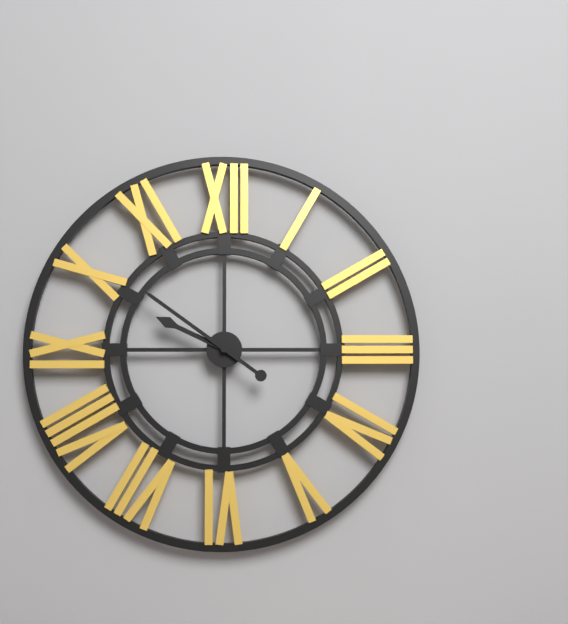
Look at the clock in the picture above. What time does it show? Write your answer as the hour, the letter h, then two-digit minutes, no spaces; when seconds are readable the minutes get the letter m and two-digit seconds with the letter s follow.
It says 9h51
